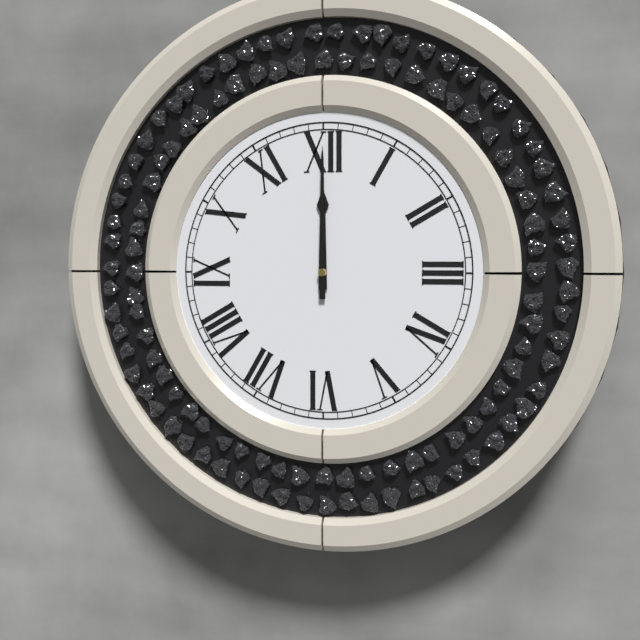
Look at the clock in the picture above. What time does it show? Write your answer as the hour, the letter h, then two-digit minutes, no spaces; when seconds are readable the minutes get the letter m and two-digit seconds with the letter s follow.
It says 12h00
